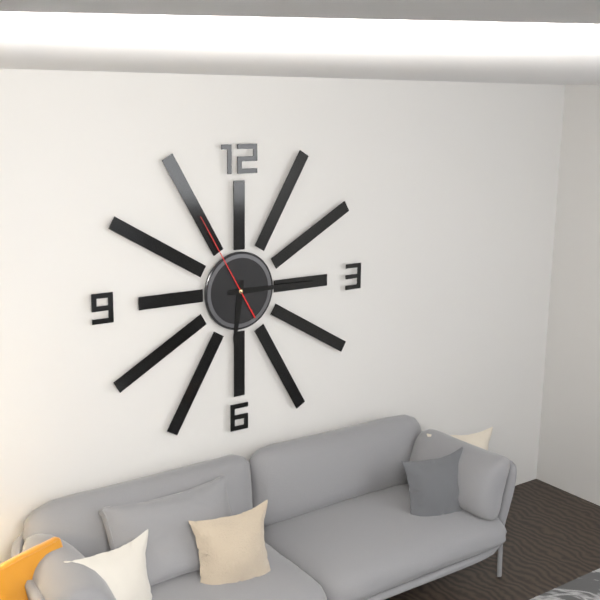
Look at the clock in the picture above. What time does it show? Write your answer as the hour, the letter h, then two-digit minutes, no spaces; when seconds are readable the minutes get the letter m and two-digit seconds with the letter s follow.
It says 6h15m55s
